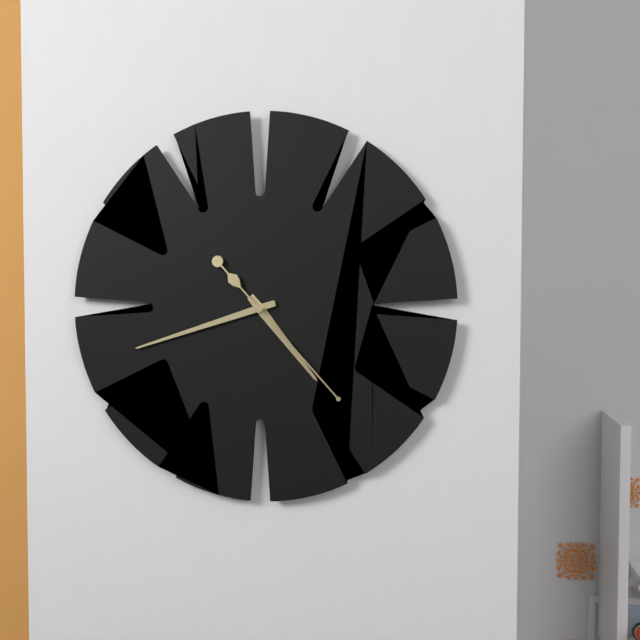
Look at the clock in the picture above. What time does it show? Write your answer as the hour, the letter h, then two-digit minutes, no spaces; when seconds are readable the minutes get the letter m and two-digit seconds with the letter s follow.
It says 4h42m23s
